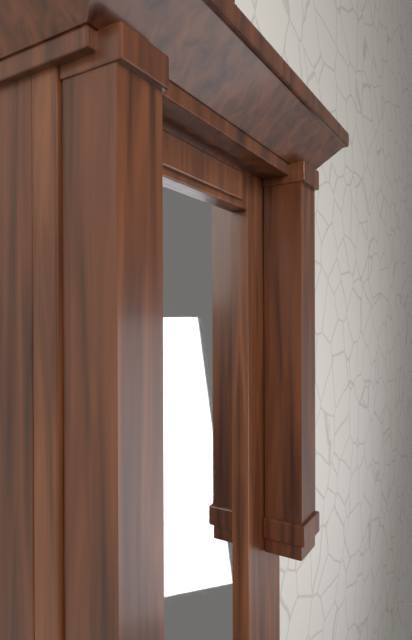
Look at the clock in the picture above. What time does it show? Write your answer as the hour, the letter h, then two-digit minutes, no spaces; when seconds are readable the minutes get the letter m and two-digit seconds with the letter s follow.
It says 9h36
